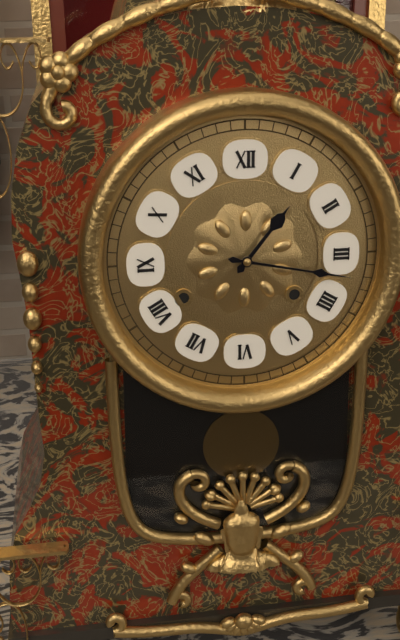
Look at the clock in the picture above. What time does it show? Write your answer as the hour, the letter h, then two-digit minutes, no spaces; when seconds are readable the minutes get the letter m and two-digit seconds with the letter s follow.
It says 1h17
